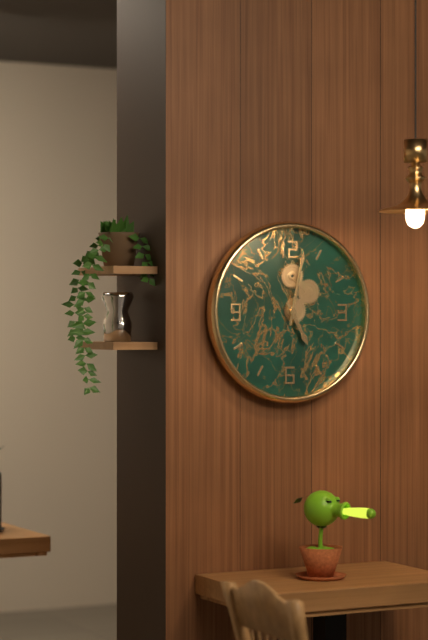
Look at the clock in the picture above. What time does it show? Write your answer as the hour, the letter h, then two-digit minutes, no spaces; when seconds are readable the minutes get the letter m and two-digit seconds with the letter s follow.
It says 5h02
